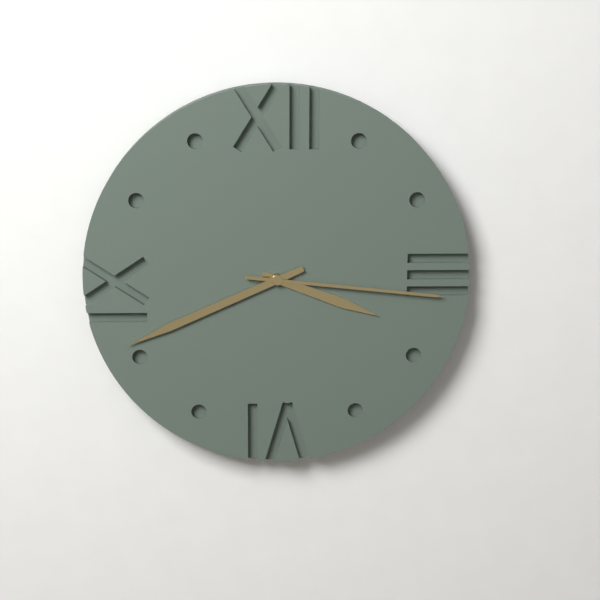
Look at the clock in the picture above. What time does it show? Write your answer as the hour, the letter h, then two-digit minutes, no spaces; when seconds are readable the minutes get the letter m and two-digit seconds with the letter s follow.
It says 3h41m16s
